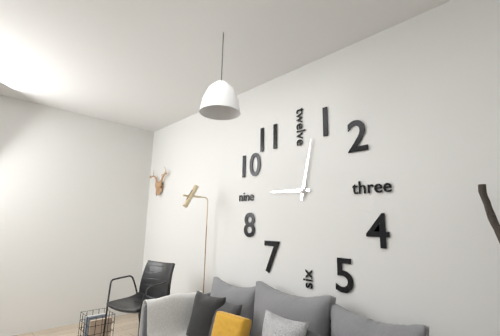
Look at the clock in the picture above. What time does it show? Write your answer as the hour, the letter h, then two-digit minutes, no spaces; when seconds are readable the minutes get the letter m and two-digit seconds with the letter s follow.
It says 9h02
